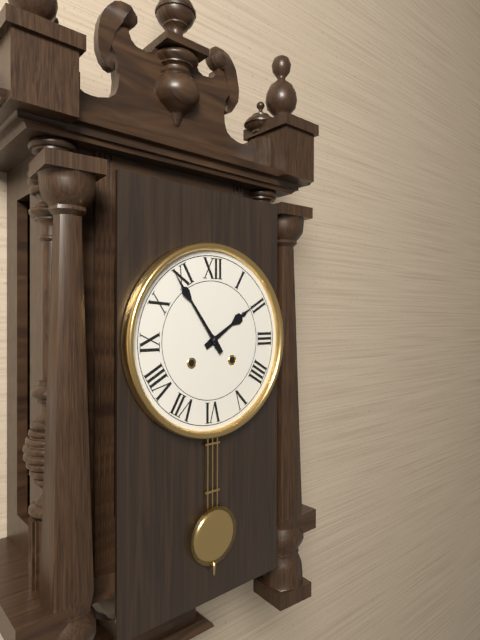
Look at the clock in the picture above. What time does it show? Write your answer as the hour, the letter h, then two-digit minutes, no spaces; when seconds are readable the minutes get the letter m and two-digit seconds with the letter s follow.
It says 1h54
